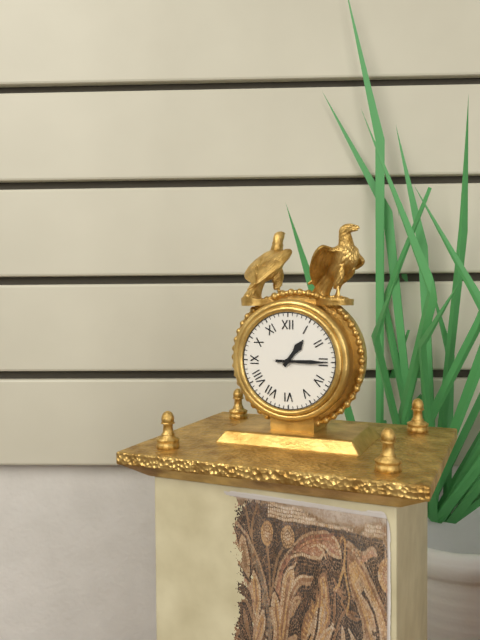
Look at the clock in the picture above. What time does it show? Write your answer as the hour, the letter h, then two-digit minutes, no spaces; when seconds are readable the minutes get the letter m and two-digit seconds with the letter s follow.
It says 1h15
